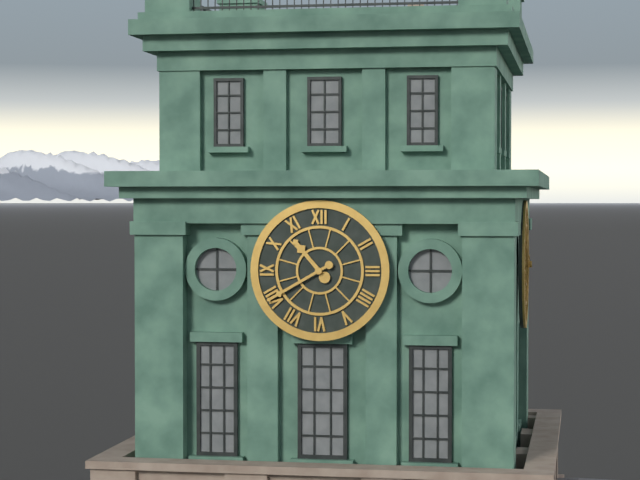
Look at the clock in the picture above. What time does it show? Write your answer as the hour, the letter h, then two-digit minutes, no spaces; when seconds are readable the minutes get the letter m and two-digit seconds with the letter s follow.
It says 10h40
